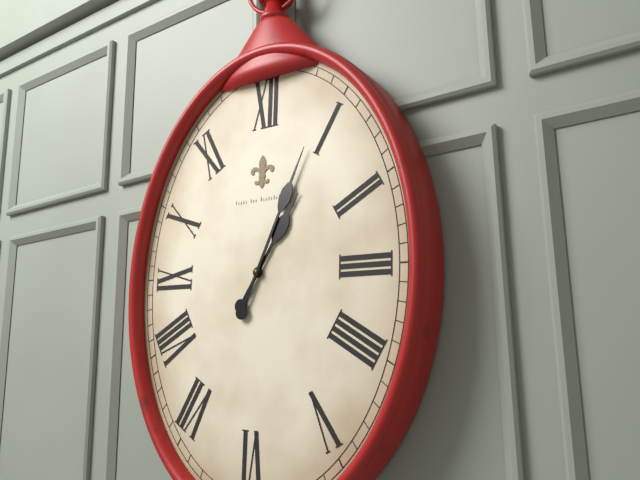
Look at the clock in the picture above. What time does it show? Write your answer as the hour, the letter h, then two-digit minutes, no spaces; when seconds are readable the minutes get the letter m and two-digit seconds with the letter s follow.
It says 1h04
